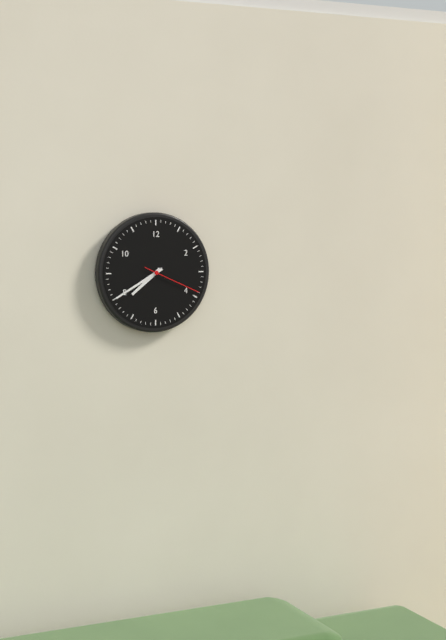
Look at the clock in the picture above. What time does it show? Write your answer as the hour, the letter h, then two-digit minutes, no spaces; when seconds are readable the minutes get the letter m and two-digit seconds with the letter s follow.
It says 7h40m19s
